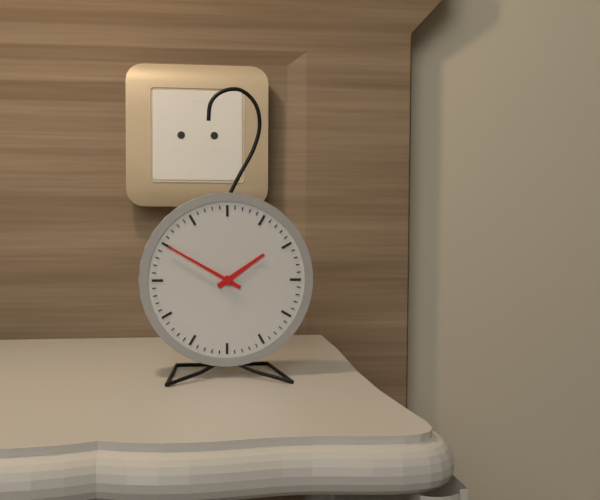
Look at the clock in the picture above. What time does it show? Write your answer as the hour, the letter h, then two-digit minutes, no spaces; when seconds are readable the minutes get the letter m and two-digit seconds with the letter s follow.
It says 1h50
